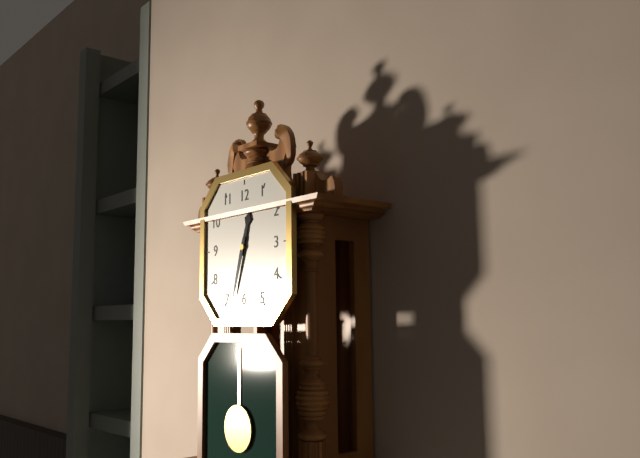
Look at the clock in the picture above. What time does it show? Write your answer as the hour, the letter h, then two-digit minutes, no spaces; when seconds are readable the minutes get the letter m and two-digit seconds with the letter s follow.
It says 12h33
